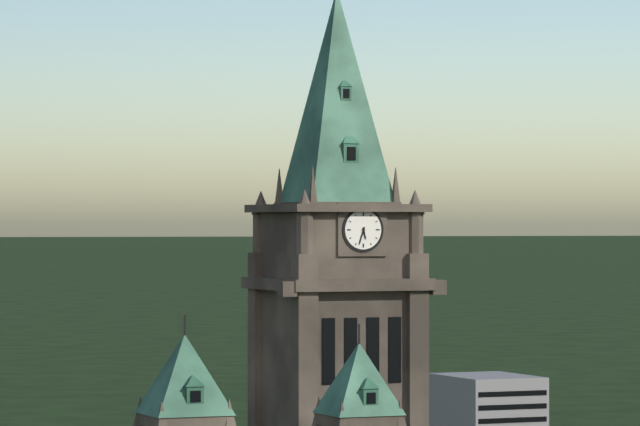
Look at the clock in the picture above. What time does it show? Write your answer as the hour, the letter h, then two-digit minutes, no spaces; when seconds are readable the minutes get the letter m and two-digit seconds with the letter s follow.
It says 5h33
